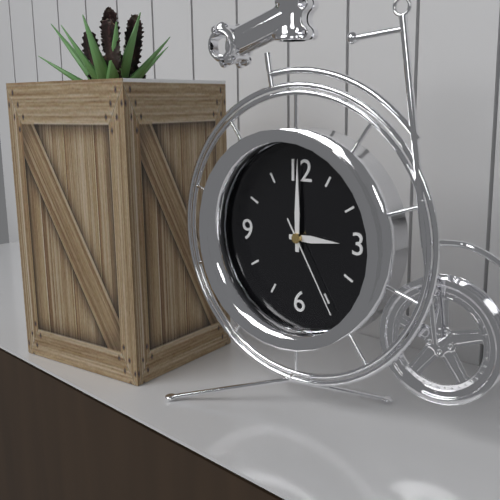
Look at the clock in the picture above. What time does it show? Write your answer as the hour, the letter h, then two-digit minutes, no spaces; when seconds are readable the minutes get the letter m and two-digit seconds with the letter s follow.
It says 3h00m25s
